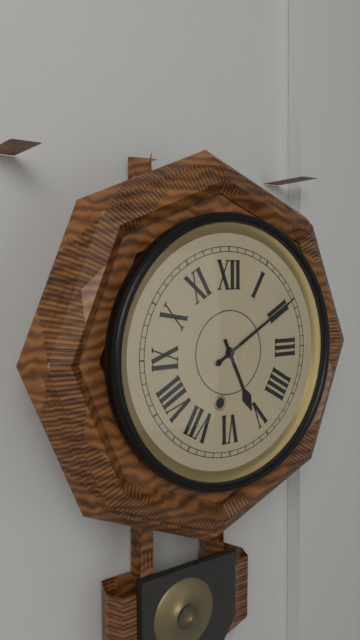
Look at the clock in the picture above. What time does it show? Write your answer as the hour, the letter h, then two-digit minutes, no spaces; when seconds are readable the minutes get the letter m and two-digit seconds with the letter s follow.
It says 5h10
